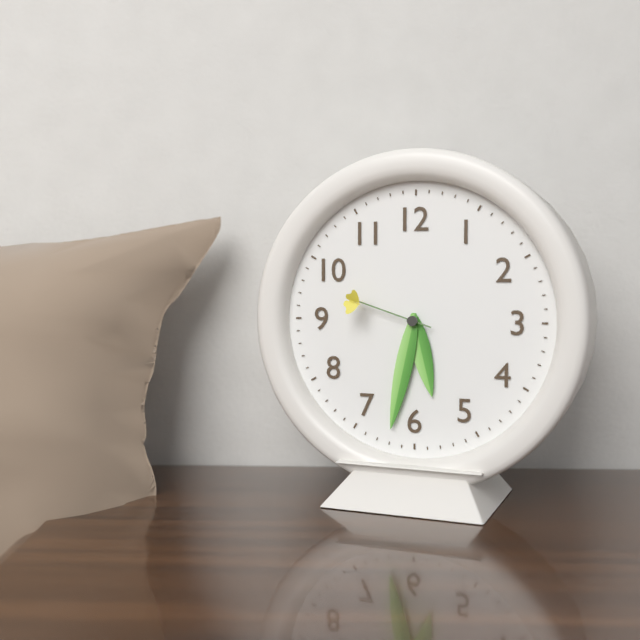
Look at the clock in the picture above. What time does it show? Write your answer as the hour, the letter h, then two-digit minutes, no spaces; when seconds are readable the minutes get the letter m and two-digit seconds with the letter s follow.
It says 5h32m48s
